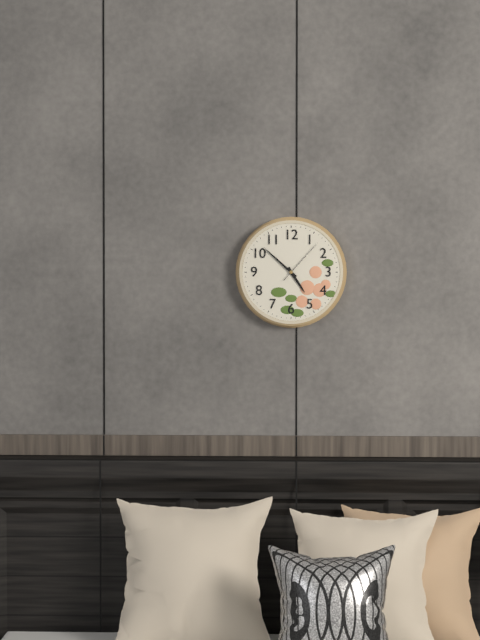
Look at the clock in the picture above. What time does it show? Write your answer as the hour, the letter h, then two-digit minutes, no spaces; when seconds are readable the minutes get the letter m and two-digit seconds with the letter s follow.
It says 4h52m07s
